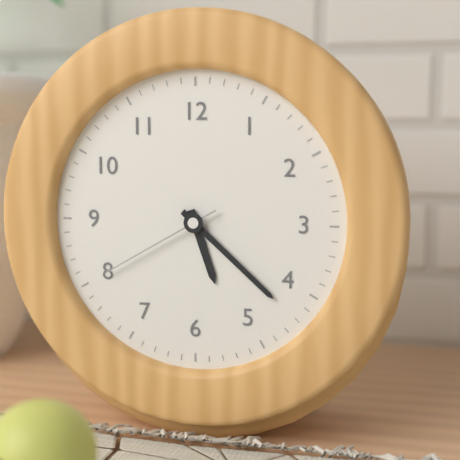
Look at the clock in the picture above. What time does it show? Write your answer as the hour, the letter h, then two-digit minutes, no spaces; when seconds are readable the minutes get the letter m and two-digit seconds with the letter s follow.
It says 5h22m40s
